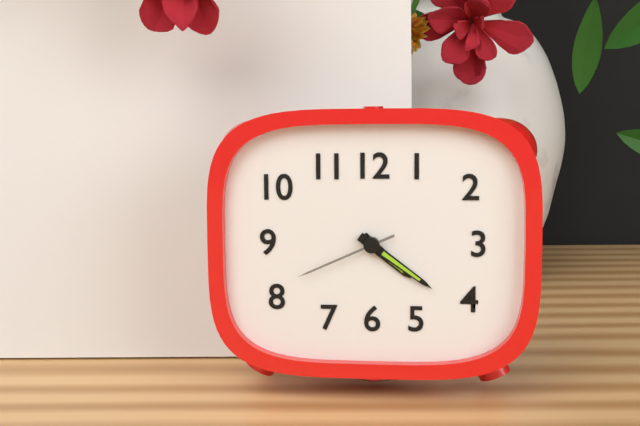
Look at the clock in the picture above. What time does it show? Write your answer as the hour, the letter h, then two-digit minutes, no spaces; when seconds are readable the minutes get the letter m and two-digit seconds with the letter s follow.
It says 4h21m41s
